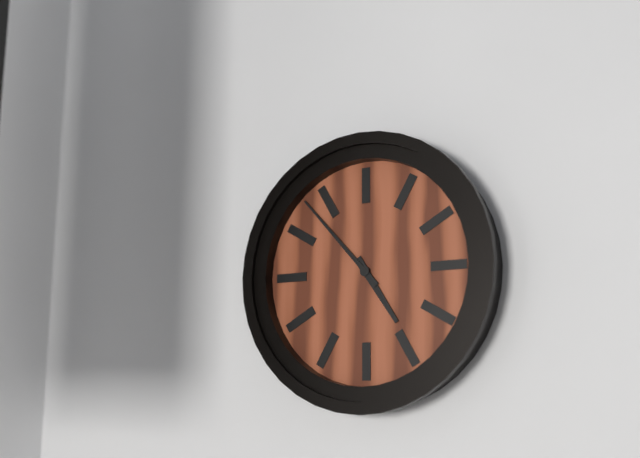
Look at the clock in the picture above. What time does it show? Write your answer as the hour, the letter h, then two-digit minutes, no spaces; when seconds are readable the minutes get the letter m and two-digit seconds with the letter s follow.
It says 4h53
